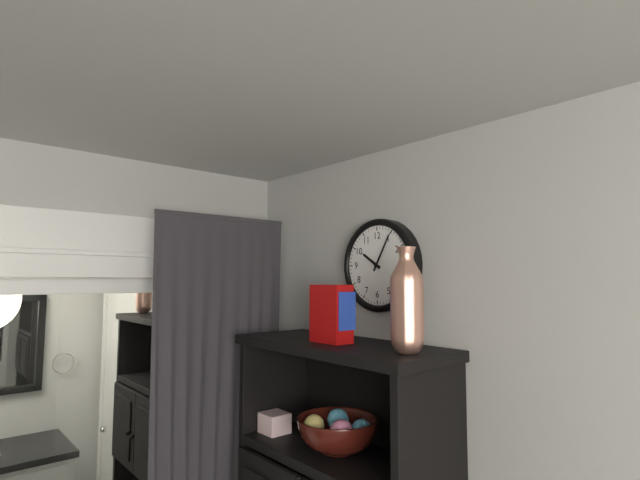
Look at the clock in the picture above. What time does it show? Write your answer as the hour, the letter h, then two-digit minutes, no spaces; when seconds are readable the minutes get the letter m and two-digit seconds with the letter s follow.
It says 10h05
